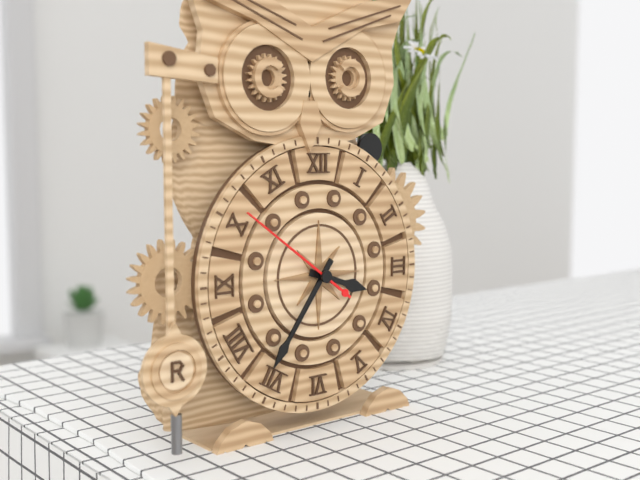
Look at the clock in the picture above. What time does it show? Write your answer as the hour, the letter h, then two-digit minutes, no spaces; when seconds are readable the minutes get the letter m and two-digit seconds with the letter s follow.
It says 3h36m51s
